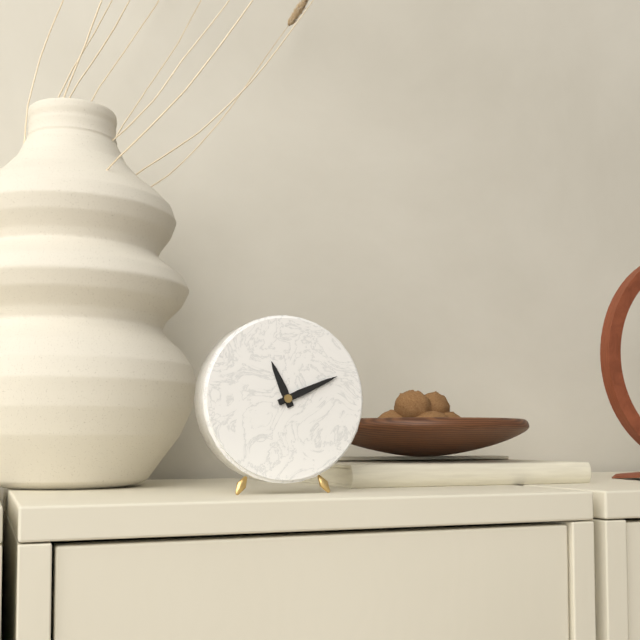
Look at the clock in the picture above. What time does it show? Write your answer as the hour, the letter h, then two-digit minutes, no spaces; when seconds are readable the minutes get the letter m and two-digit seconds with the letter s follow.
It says 11h11
